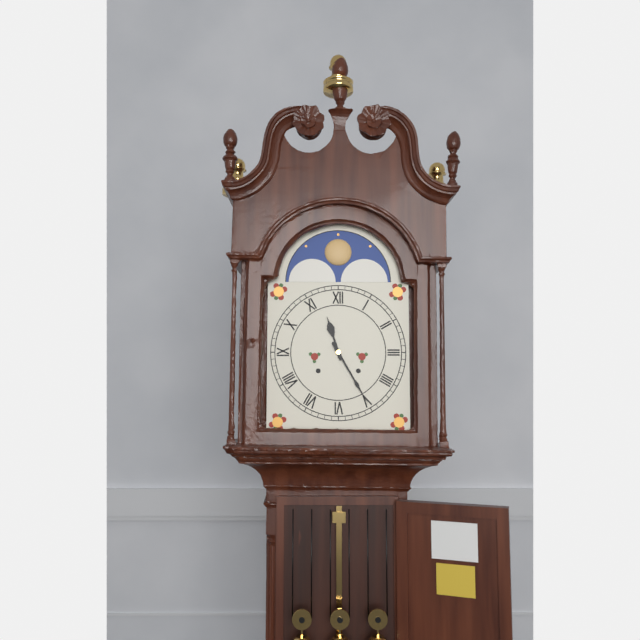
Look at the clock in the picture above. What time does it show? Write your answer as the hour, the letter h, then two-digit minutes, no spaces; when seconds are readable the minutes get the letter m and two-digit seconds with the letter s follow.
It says 11h25
